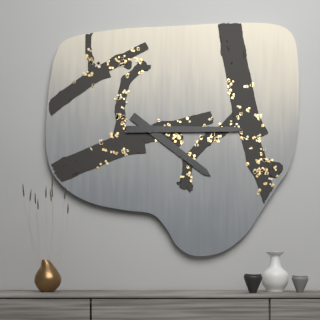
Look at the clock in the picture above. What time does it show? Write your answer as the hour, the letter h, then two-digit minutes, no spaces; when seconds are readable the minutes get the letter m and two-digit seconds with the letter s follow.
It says 4h15
